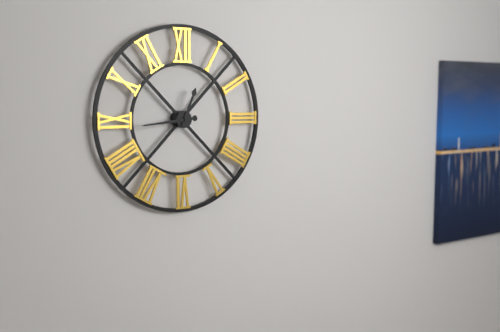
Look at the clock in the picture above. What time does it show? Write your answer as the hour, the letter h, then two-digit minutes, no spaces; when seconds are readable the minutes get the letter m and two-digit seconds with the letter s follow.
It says 12h44
